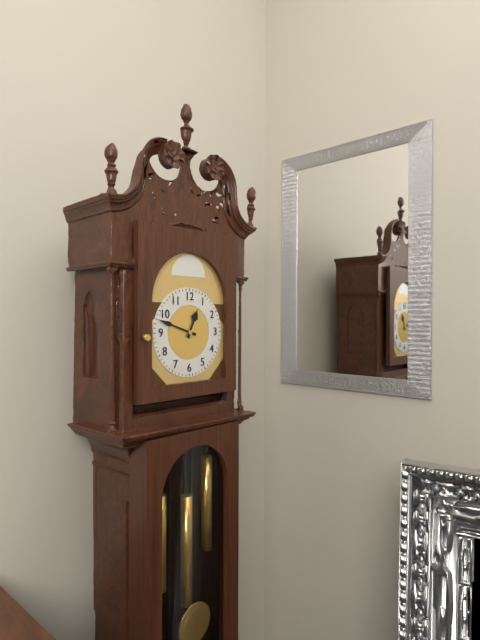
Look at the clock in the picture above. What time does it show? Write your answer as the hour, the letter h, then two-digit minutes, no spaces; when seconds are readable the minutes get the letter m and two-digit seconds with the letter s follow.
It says 12h48
